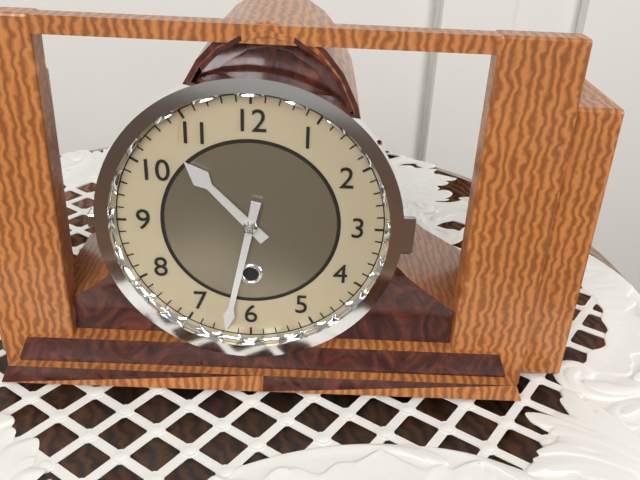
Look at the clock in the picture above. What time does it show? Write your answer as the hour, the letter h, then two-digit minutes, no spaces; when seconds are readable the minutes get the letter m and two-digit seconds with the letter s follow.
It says 10h32
